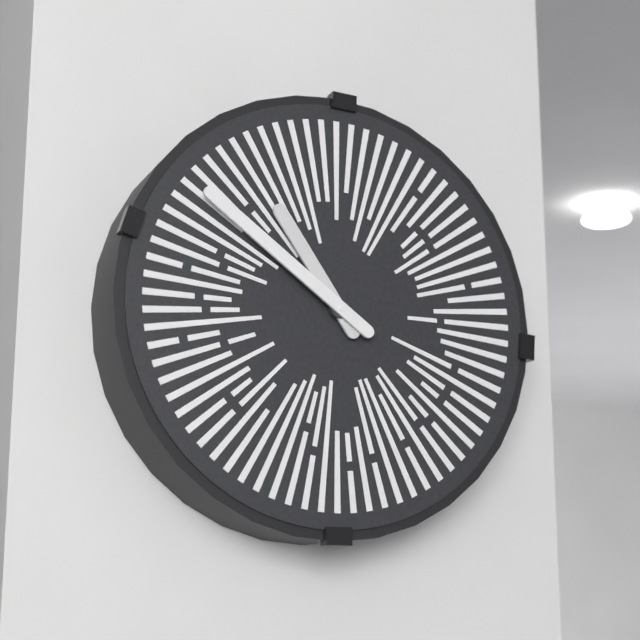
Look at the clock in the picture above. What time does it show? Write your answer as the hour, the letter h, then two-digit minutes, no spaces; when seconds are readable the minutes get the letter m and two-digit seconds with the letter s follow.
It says 10h51
